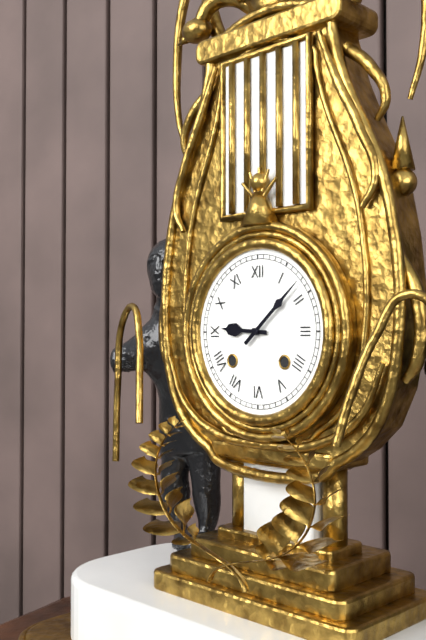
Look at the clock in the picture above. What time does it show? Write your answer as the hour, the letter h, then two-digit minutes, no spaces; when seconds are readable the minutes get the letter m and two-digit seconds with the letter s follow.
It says 9h08
